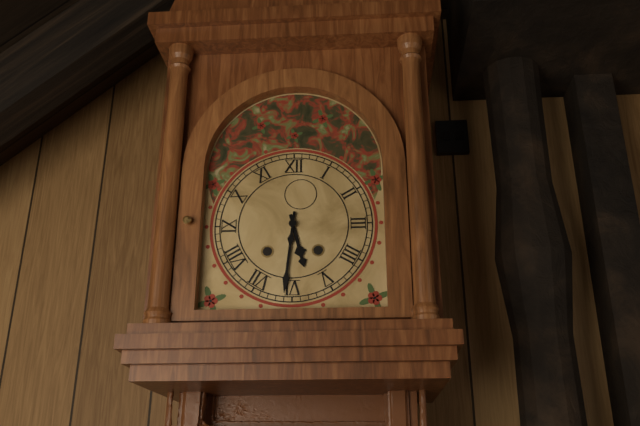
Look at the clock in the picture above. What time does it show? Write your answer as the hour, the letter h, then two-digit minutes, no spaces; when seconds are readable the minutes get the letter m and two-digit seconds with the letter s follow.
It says 5h31
